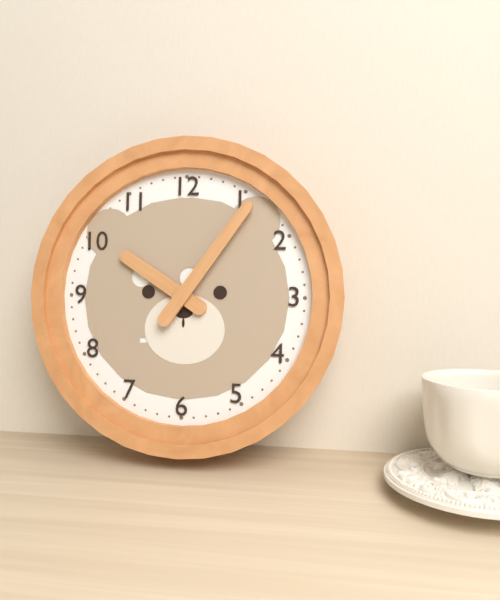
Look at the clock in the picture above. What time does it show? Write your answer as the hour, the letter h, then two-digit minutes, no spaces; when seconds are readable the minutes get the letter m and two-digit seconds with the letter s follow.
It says 10h06
